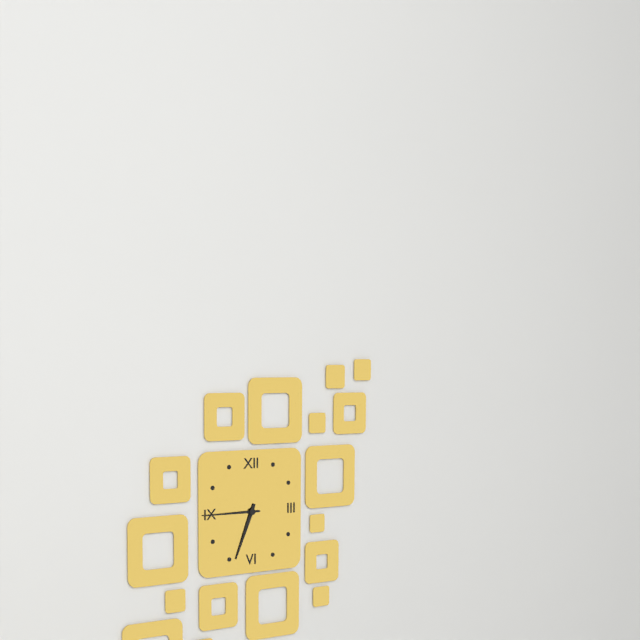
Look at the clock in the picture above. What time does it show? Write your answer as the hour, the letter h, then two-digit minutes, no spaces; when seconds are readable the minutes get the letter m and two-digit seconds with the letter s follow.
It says 6h45
